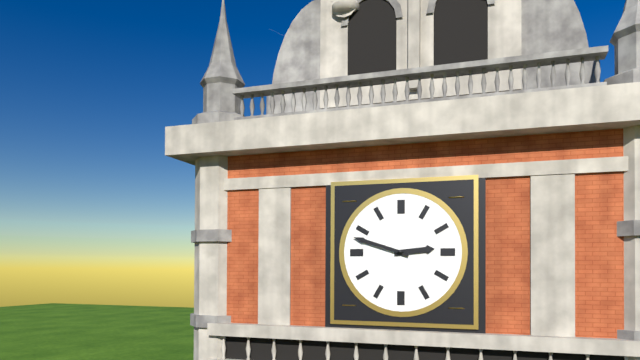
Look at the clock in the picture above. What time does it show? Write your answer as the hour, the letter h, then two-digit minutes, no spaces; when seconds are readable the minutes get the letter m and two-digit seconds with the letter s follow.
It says 2h48
